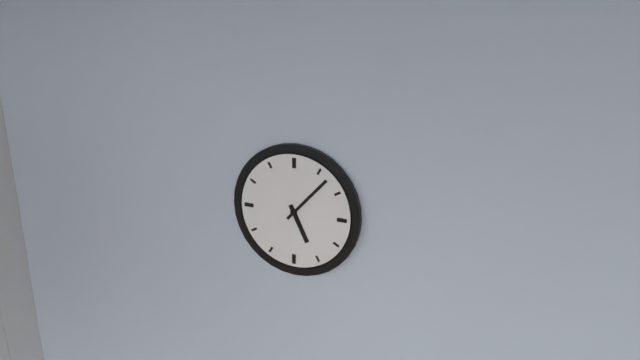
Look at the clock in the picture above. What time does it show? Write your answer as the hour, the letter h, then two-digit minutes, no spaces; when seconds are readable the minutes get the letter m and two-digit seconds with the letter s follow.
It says 5h07
